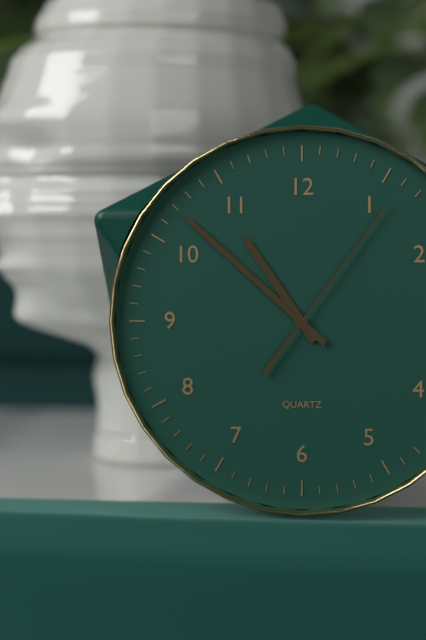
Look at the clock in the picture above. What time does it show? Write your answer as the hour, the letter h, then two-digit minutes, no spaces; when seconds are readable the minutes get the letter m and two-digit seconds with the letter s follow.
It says 10h52m06s
